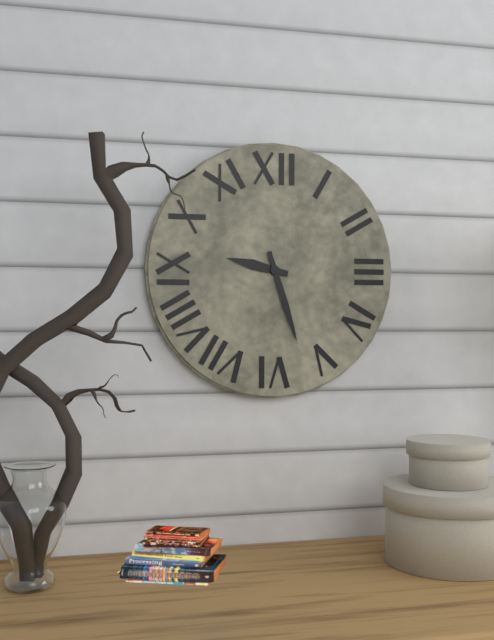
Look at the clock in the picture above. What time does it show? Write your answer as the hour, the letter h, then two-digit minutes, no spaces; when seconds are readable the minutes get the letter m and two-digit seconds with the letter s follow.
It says 9h27
